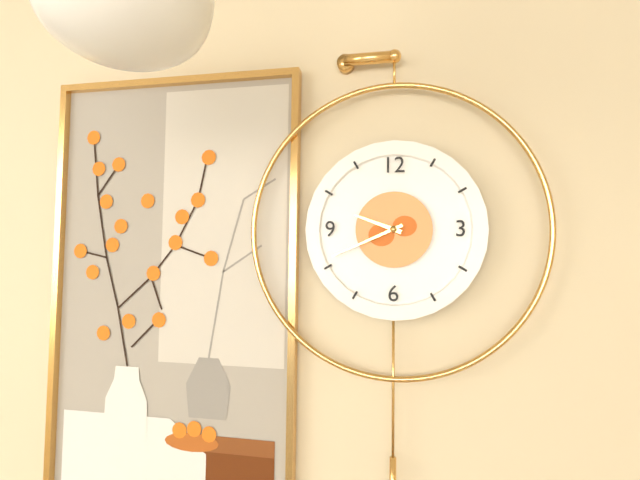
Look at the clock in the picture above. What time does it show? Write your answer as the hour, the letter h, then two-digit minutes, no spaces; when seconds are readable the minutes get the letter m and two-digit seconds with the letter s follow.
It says 9h41
